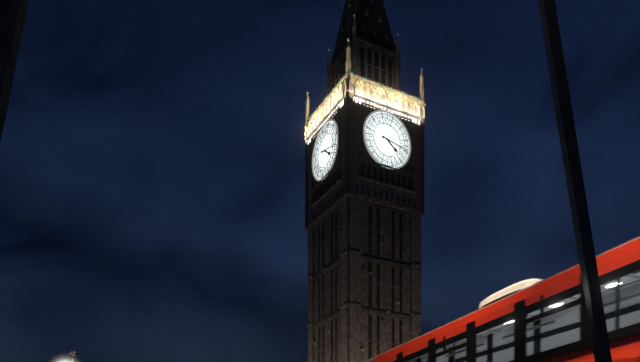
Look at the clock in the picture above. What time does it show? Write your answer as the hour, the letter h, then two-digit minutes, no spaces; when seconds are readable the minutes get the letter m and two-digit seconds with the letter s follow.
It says 4h17
